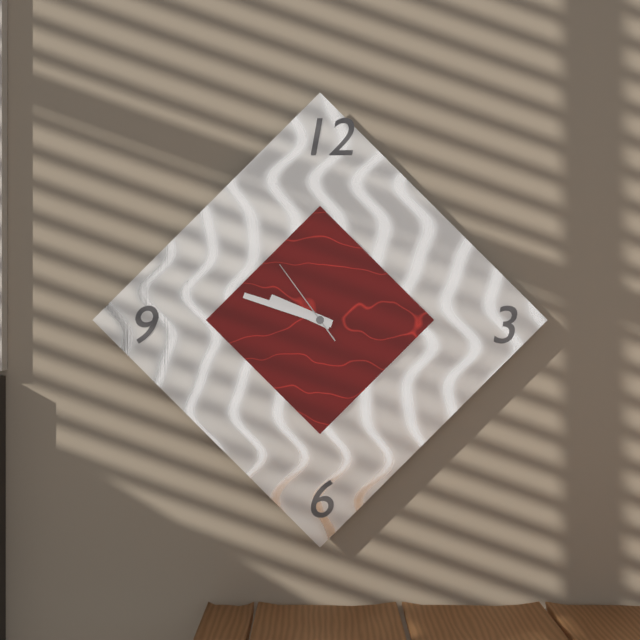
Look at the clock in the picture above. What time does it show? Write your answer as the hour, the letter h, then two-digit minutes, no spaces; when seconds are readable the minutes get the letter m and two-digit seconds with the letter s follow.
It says 9h48m54s
